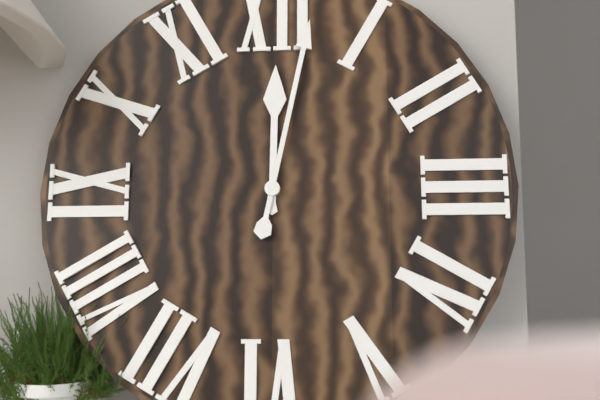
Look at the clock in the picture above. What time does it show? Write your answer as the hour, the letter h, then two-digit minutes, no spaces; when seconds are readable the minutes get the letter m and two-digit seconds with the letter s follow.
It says 12h02
